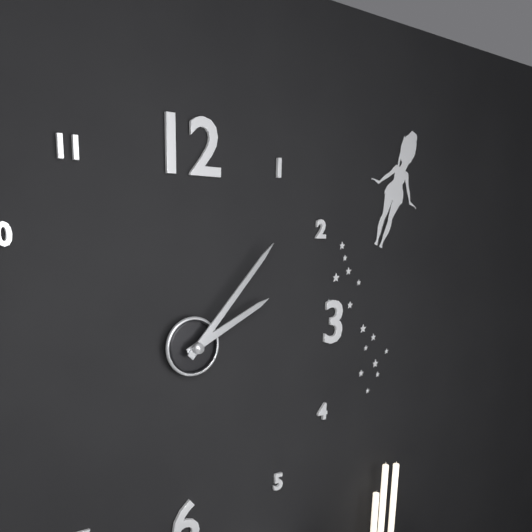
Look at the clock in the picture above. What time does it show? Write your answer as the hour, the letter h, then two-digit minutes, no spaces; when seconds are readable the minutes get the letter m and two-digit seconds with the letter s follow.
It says 2h07
